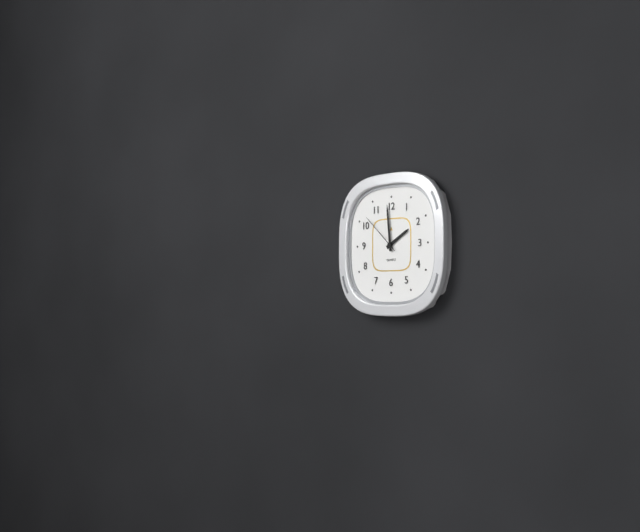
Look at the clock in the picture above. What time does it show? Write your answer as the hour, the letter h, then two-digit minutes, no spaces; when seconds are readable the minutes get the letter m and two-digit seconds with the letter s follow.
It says 1h59
